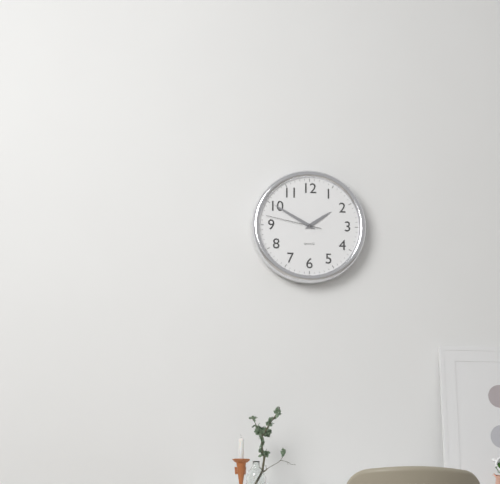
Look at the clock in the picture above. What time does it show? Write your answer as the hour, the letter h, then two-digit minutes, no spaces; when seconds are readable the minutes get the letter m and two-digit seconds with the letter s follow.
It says 1h50m47s
